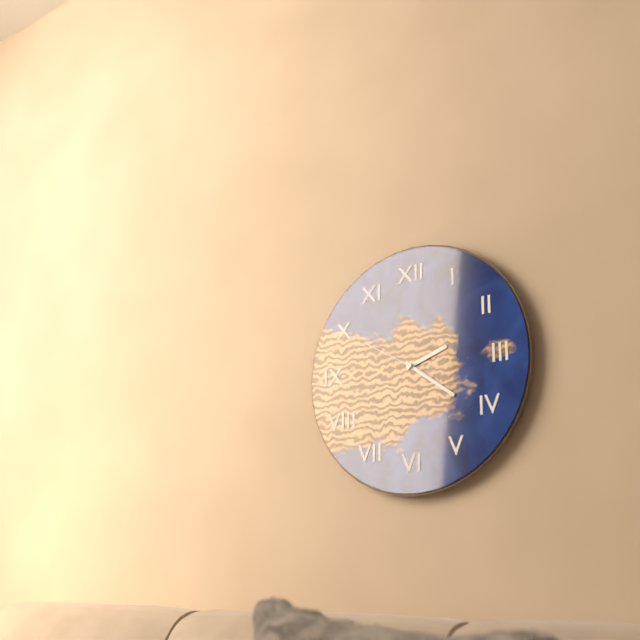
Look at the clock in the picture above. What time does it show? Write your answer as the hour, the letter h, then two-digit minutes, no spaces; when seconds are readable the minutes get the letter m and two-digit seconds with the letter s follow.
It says 2h21m50s
